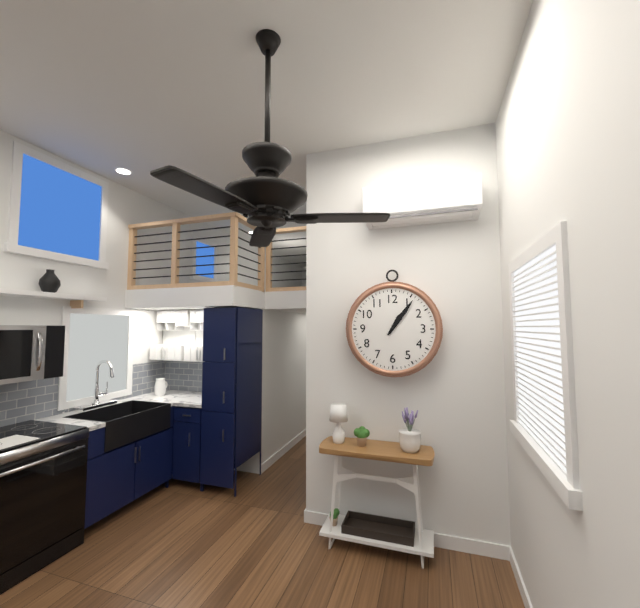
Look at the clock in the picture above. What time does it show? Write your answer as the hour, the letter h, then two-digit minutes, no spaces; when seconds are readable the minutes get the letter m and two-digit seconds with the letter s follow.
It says 1h06
